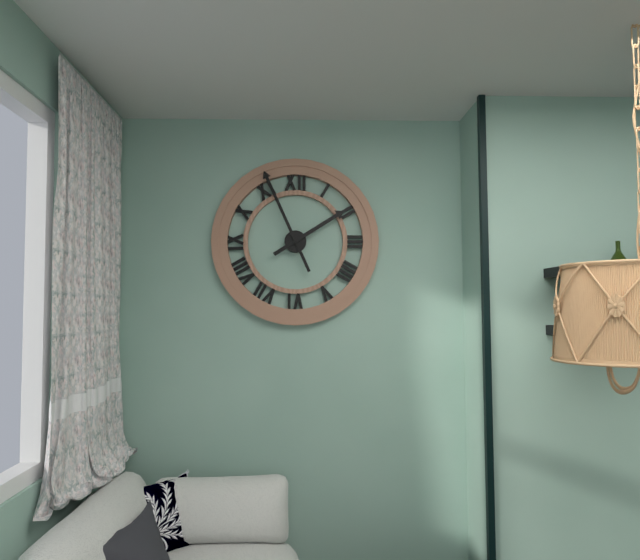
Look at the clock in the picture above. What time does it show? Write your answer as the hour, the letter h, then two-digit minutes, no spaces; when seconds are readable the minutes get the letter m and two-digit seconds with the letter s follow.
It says 1h56
